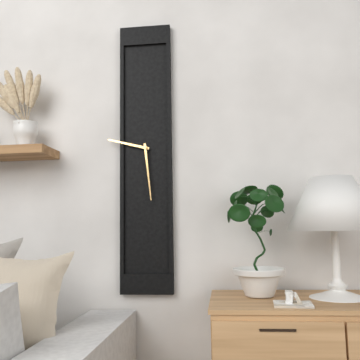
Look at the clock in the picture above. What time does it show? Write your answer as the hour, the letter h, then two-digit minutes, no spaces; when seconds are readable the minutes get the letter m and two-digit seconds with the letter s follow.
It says 9h29
